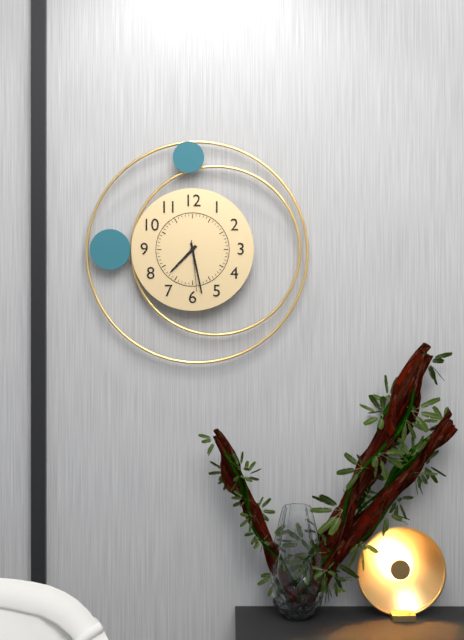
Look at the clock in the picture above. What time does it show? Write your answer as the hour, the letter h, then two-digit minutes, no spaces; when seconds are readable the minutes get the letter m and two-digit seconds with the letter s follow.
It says 7h28m29s
